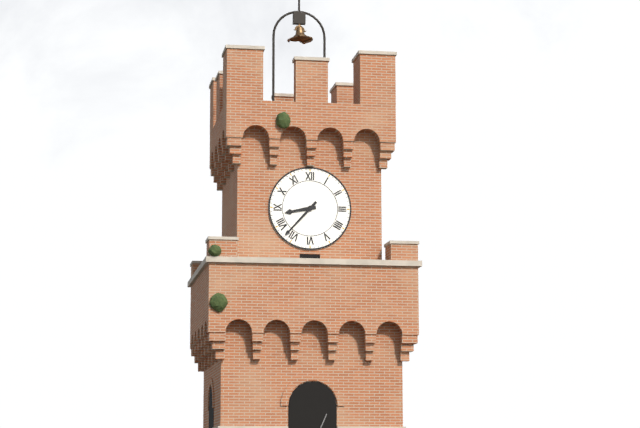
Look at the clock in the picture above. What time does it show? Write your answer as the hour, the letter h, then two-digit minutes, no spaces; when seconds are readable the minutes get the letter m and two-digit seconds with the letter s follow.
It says 8h37
